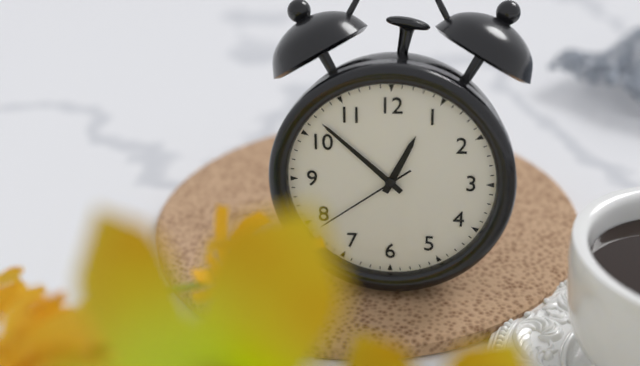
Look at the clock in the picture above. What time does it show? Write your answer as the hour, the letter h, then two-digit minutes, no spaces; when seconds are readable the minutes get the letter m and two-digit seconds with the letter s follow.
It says 12h52m39s
